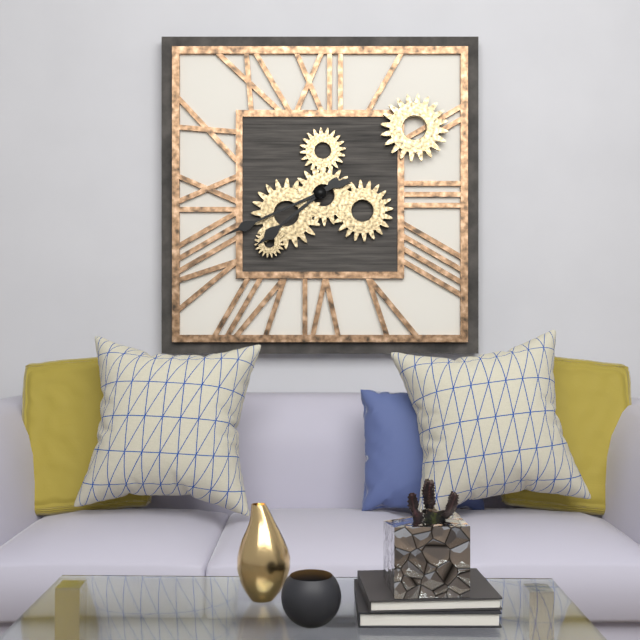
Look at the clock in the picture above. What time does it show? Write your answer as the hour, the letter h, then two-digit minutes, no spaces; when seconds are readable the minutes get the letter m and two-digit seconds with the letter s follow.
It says 7h41
